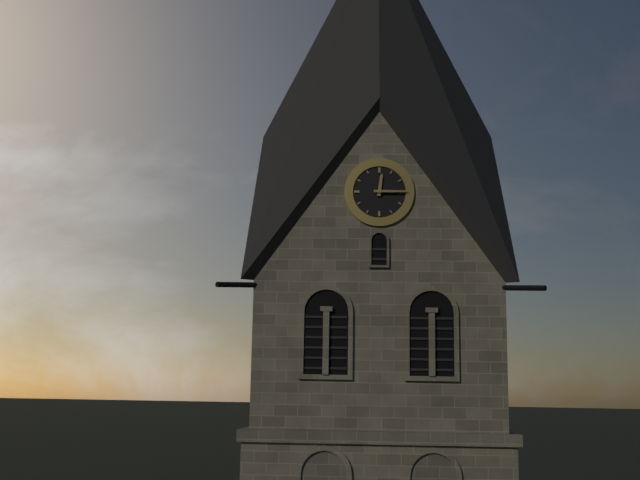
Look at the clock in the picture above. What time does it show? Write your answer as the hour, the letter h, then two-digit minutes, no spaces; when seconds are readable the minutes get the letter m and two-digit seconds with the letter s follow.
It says 12h15
